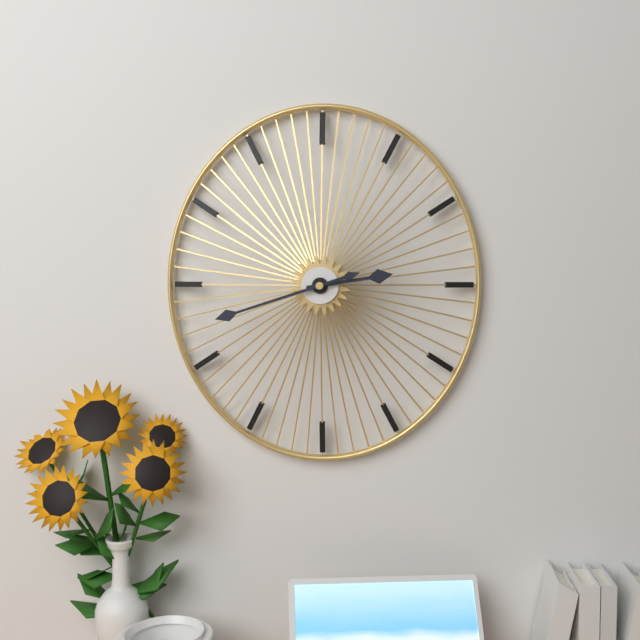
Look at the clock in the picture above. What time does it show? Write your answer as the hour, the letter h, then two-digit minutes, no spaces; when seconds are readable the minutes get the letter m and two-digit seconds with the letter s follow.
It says 2h42
